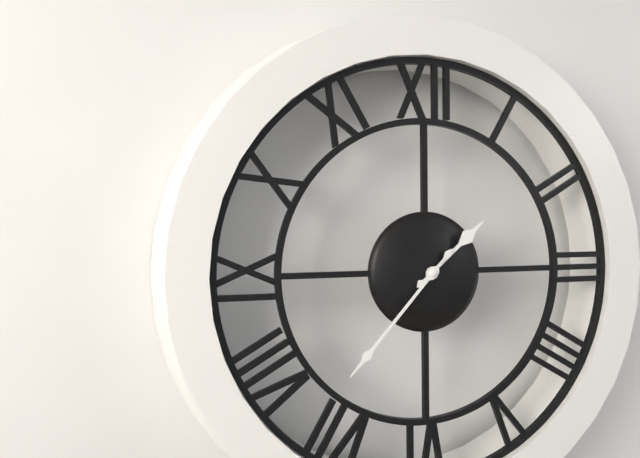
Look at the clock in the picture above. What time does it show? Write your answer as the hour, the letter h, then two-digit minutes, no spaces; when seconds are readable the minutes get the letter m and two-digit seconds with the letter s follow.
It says 1h37
